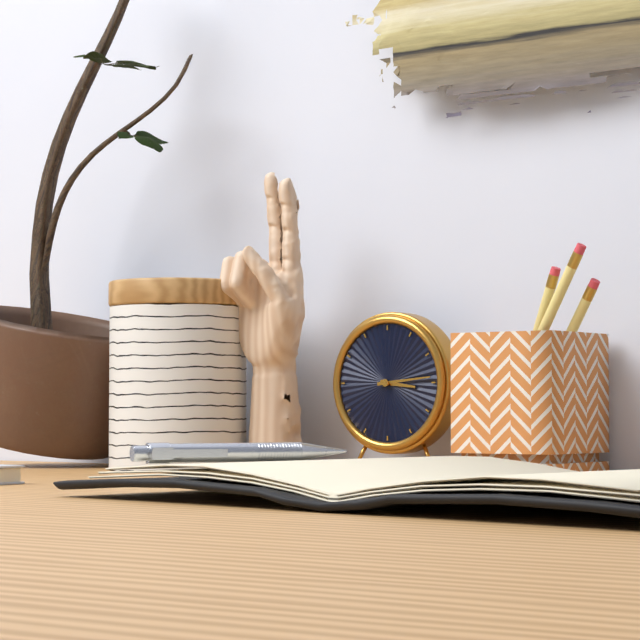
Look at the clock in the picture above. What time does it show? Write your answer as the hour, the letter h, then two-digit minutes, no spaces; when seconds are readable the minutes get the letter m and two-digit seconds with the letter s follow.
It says 3h14
